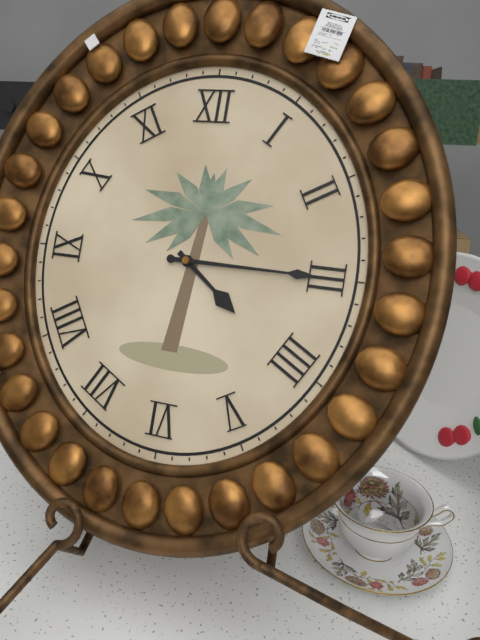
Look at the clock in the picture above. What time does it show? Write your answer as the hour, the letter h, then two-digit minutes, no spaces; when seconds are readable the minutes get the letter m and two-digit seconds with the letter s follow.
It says 4h15
